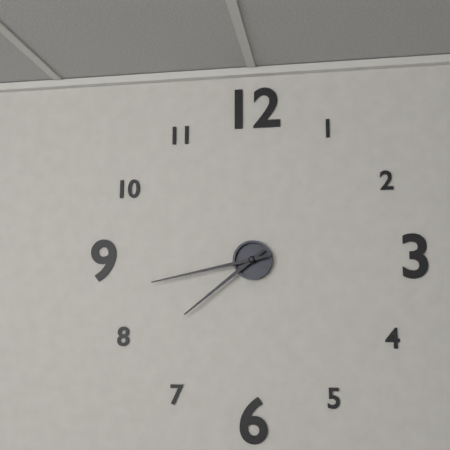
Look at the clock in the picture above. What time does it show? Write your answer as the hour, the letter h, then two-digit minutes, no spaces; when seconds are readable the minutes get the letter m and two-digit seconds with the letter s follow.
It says 7h43
